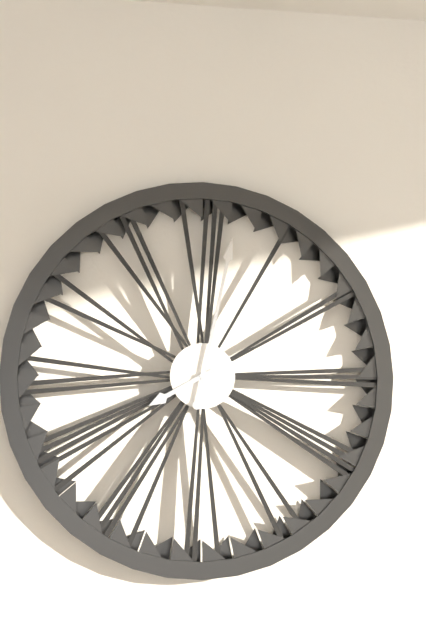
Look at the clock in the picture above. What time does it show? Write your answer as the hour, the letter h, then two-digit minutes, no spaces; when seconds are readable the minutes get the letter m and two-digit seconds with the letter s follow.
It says 8h02
